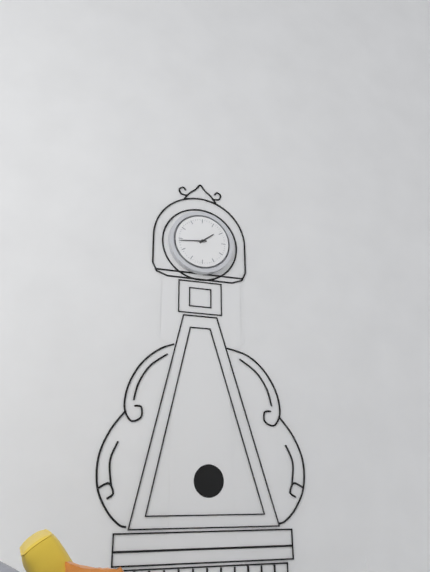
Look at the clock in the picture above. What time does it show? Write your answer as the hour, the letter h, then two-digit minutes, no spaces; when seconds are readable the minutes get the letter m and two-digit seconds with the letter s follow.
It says 1h44
